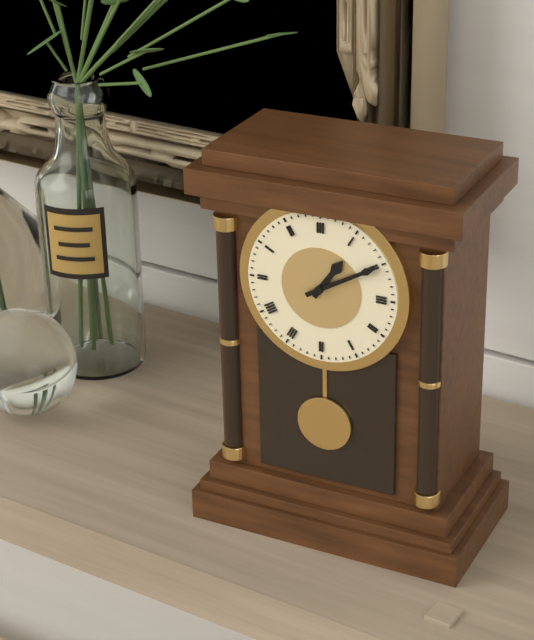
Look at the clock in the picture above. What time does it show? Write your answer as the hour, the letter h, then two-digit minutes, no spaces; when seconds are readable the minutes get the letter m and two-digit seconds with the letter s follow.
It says 1h10
